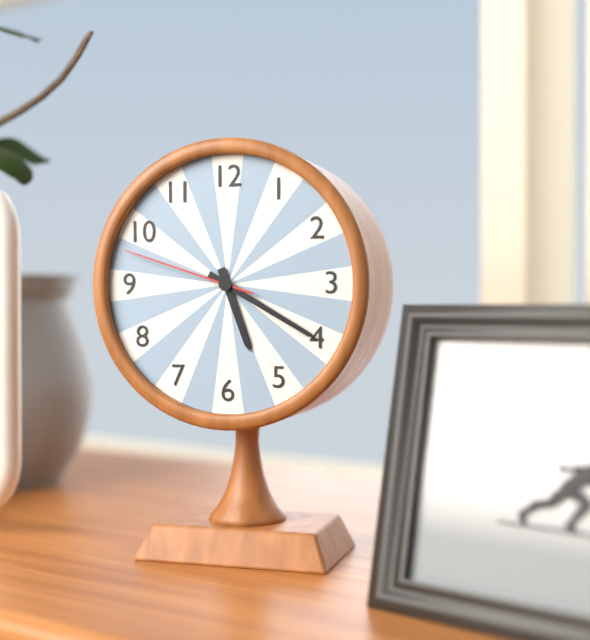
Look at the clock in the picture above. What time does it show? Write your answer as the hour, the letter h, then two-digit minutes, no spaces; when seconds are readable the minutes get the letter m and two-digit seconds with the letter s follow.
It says 5h20m48s
